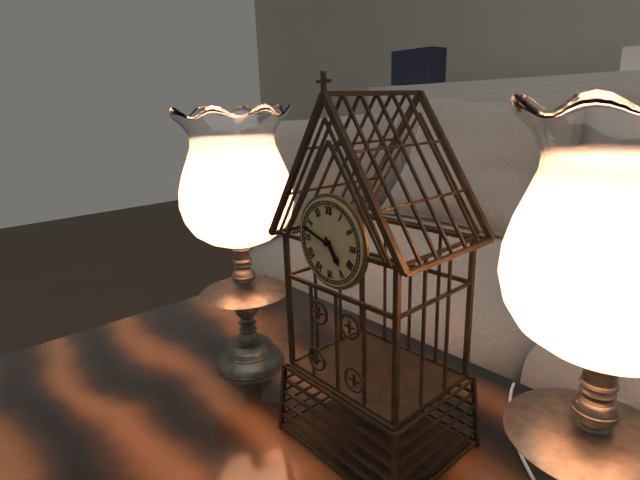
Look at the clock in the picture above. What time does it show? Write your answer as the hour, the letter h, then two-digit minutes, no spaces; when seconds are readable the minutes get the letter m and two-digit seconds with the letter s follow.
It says 4h48
